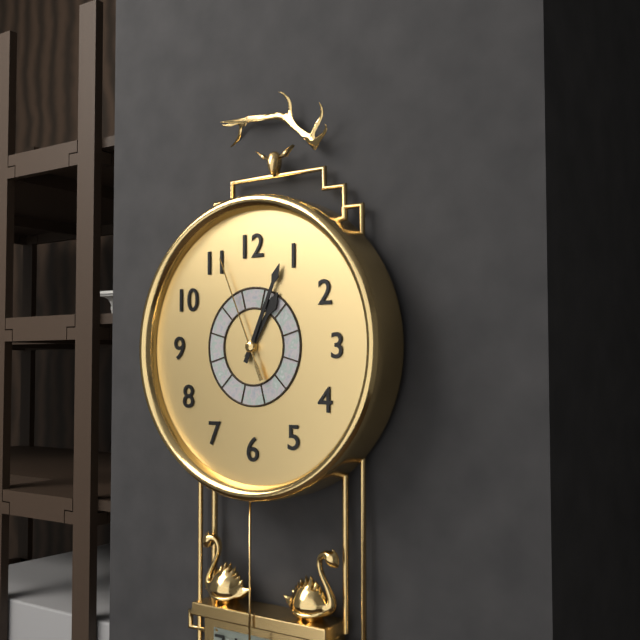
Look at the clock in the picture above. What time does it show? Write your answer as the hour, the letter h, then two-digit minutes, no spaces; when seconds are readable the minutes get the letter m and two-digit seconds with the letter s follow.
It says 1h04m56s
